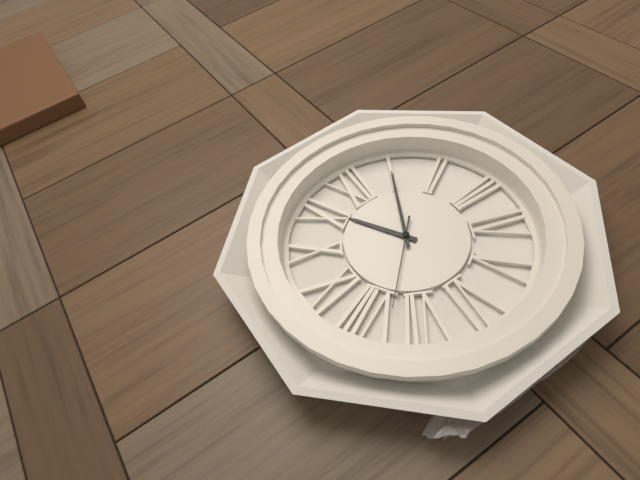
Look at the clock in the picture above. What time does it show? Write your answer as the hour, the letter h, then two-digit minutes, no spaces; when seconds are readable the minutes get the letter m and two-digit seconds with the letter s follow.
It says 11h05m38s
